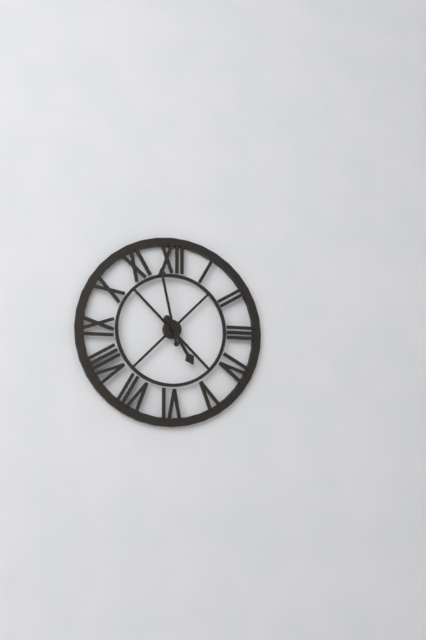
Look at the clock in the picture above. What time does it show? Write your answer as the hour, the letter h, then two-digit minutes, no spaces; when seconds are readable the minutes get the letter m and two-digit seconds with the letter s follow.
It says 4h58
